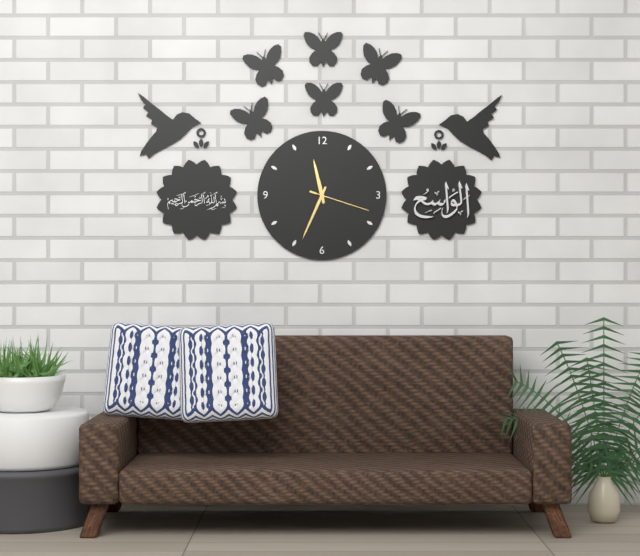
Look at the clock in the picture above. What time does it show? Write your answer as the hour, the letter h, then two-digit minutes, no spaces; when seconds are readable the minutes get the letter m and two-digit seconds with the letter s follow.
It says 11h34m18s
